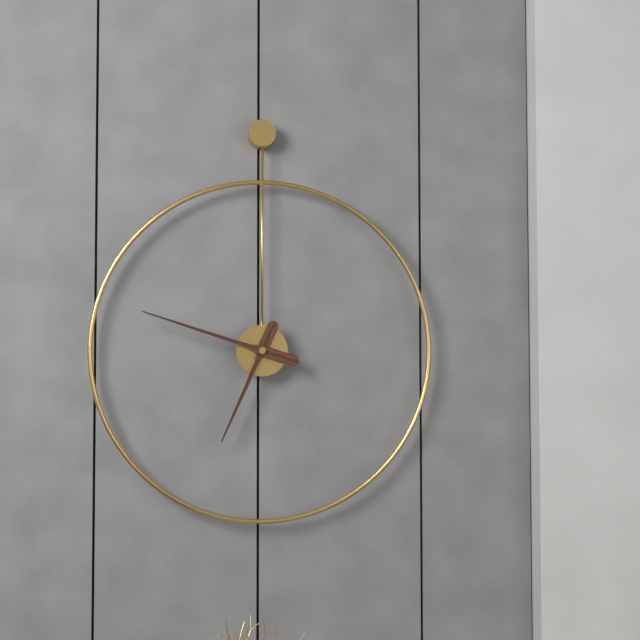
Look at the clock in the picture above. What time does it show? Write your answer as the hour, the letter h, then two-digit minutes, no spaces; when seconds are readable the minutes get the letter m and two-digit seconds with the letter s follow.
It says 6h48
